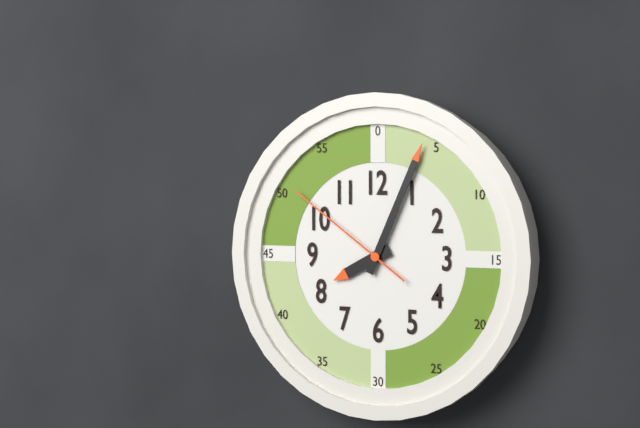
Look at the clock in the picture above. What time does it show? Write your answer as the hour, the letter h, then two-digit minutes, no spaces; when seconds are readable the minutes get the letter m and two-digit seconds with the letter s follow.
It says 8h04m51s
